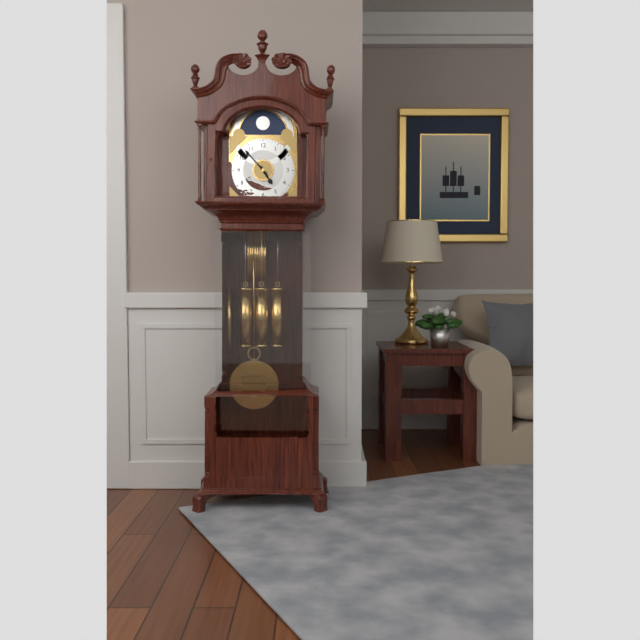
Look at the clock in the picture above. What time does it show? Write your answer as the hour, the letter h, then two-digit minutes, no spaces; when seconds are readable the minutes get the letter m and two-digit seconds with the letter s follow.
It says 4h53
